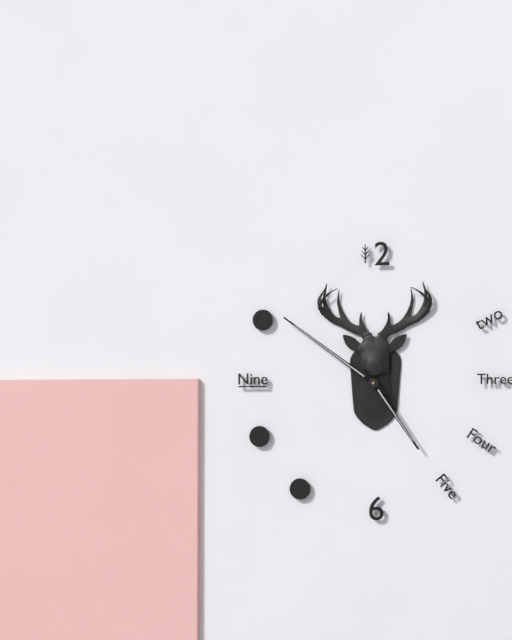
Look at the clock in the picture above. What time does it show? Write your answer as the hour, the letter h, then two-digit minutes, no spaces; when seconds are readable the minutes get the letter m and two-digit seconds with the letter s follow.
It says 4h51
